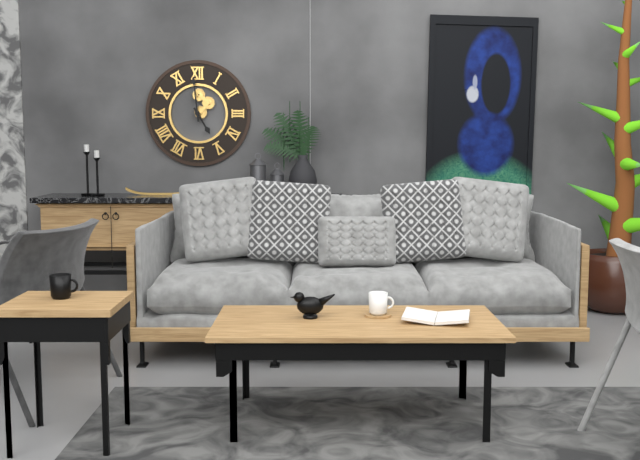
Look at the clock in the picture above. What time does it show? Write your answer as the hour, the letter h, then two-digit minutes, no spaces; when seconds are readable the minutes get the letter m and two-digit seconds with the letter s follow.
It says 4h59
